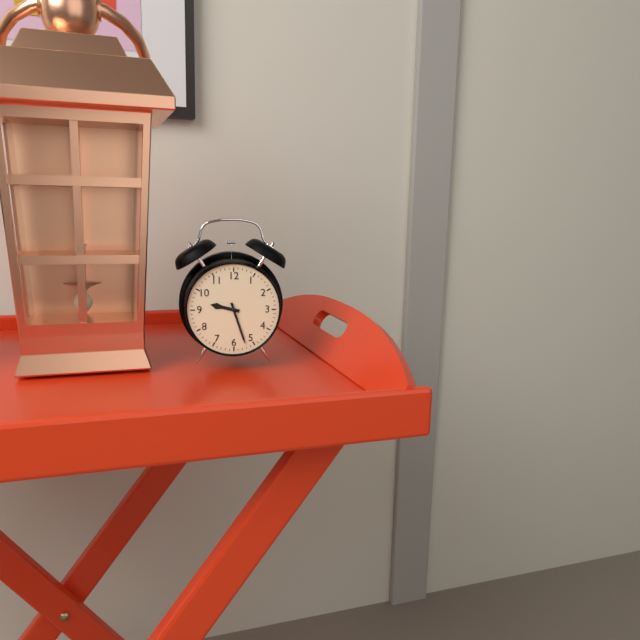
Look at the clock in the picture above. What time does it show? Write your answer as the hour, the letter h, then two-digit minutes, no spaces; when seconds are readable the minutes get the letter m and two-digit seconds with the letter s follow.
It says 9h27
